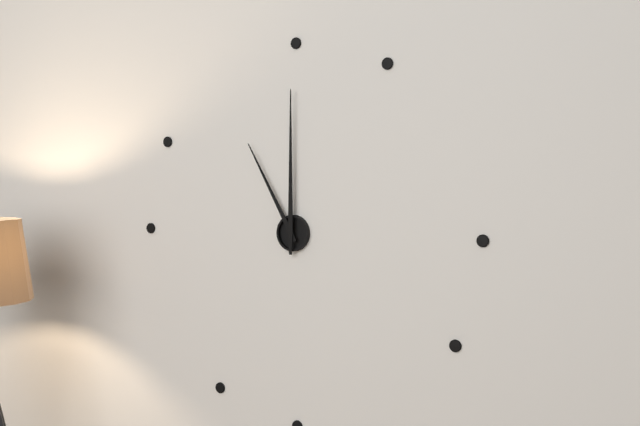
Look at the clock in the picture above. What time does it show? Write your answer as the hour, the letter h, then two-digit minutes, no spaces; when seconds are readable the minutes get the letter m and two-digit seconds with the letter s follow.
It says 11h00
